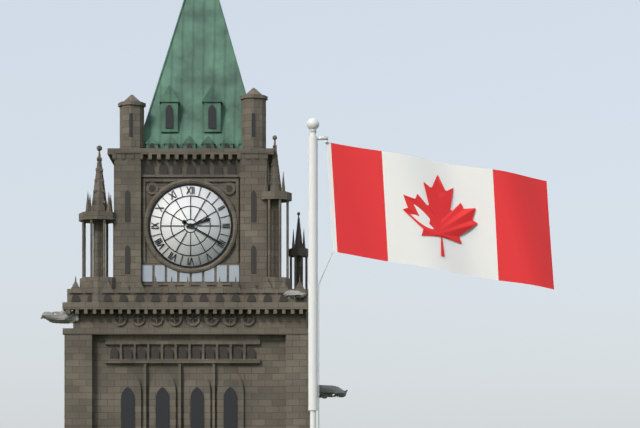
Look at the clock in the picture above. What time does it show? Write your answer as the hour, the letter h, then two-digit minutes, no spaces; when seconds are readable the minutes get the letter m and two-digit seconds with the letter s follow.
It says 2h20
